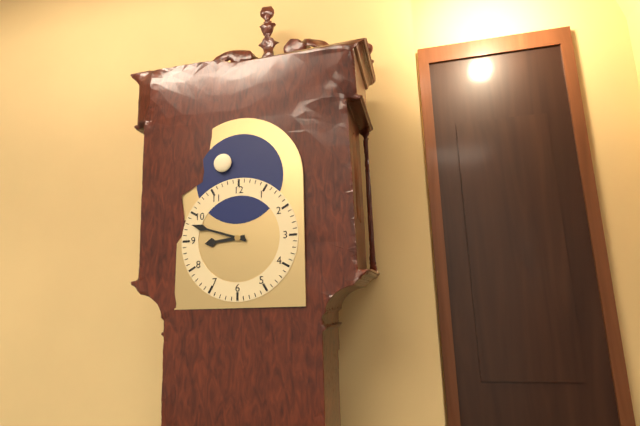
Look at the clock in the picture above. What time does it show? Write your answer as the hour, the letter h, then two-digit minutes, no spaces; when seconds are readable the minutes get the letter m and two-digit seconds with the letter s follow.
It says 8h48
